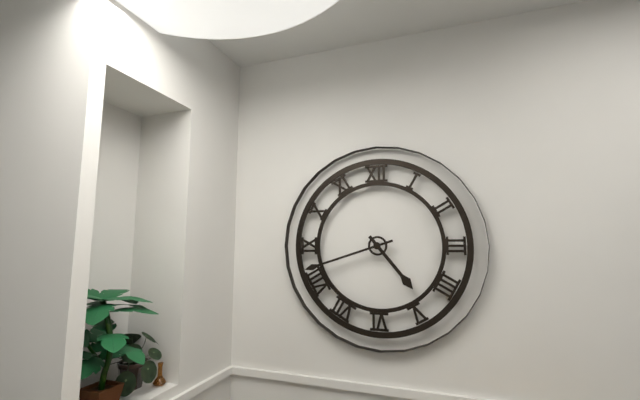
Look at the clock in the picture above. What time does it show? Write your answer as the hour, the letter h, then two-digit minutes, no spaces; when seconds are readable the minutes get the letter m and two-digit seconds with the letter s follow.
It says 4h42
